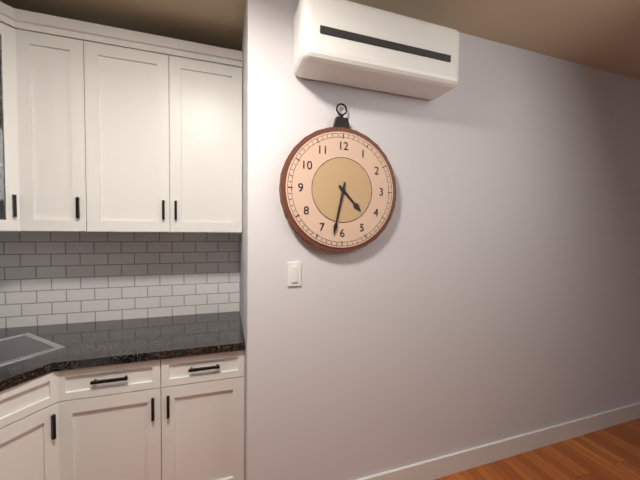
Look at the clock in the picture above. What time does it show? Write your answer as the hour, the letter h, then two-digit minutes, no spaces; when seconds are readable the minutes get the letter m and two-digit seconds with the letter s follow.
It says 4h32
